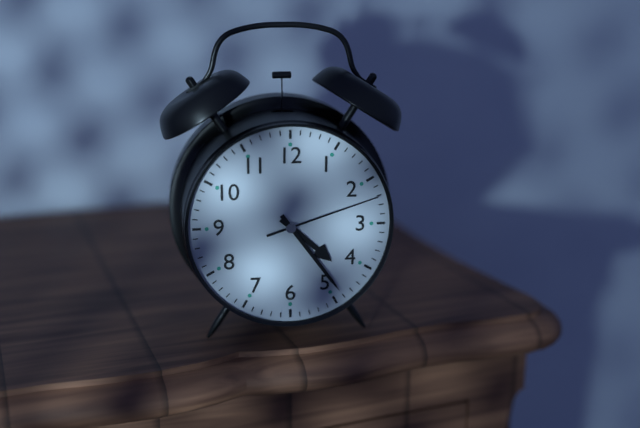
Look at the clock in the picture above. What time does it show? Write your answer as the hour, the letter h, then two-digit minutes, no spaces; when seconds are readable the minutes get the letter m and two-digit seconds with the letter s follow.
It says 4h24m12s
